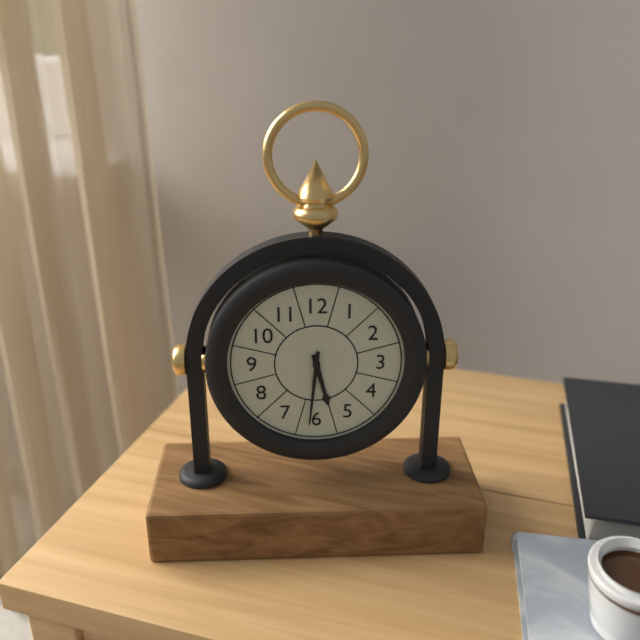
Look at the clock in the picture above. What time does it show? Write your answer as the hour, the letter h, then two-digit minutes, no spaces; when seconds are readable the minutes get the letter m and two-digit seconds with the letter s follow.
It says 5h31
